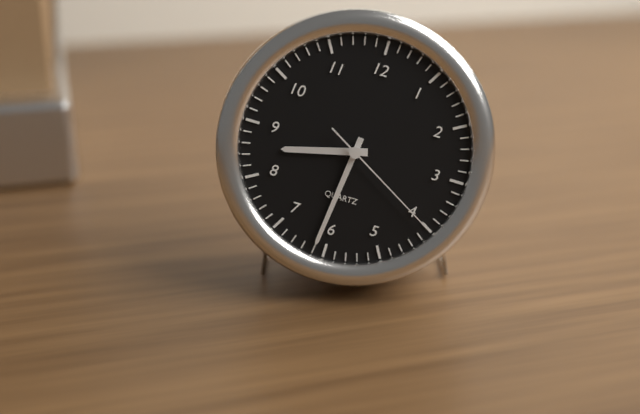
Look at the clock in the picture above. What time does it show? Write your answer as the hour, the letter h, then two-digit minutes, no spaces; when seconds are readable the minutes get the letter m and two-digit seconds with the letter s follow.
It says 8h31m20s
